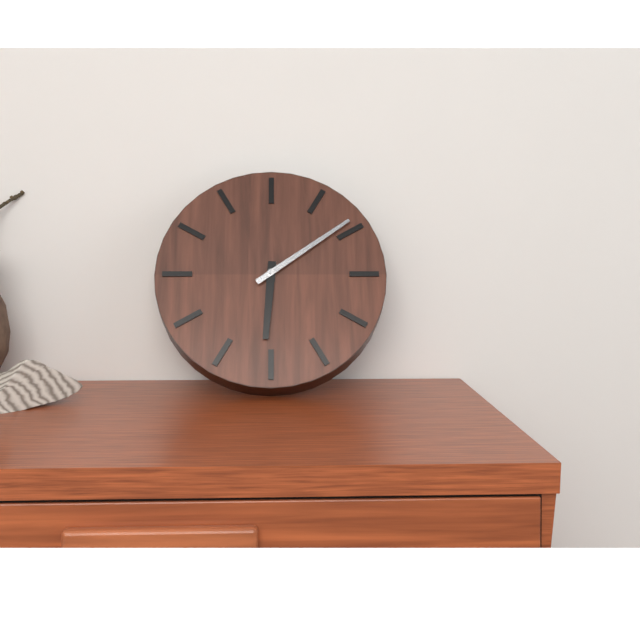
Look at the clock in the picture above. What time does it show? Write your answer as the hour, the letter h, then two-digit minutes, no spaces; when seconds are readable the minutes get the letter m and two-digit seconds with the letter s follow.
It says 6h09
